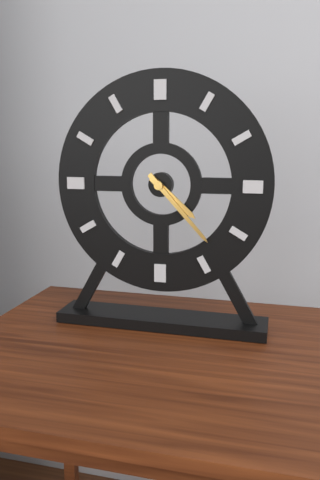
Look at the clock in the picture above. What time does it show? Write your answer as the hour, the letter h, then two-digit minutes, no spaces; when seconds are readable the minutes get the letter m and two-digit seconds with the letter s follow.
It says 4h23
